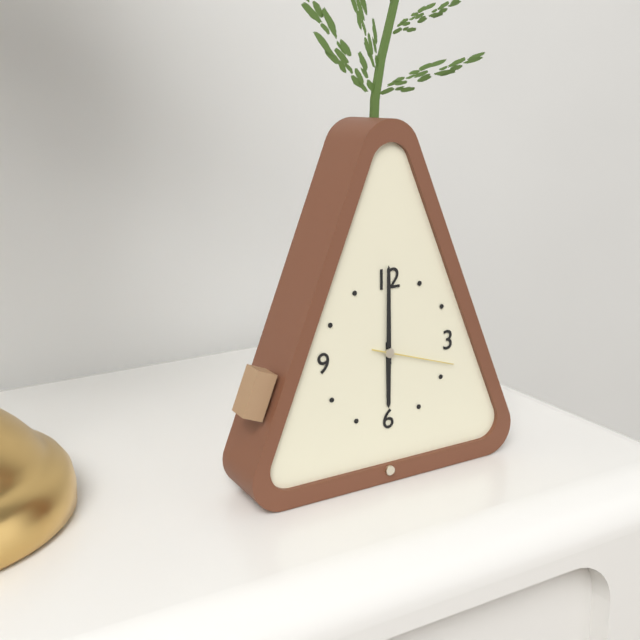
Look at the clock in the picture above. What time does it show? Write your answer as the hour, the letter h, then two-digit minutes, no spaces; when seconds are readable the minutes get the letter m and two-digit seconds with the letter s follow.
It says 6h00m18s
